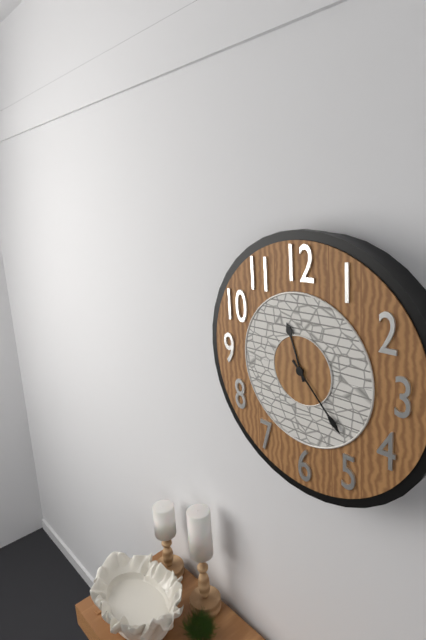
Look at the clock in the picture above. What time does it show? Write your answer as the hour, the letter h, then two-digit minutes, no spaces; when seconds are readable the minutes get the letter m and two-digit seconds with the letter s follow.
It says 11h23
